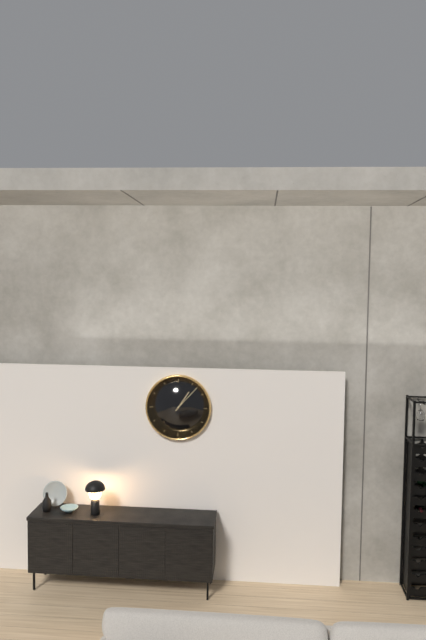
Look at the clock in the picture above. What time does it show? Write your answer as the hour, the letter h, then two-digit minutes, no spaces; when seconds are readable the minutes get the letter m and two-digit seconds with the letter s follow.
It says 1h07
